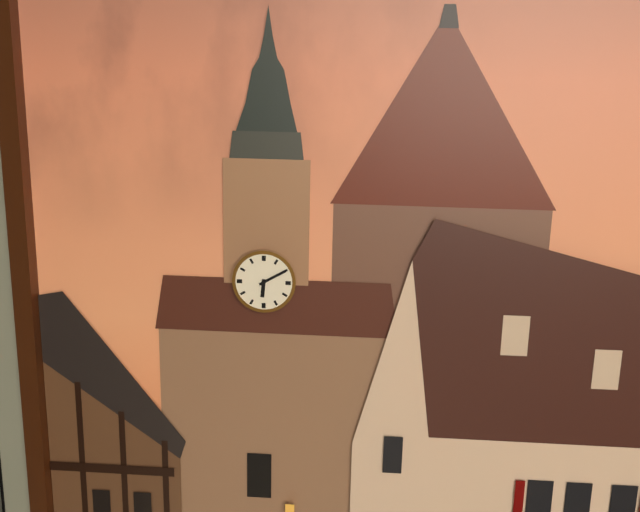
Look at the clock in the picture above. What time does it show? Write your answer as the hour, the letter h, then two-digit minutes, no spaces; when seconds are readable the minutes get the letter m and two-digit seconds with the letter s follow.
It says 6h10
